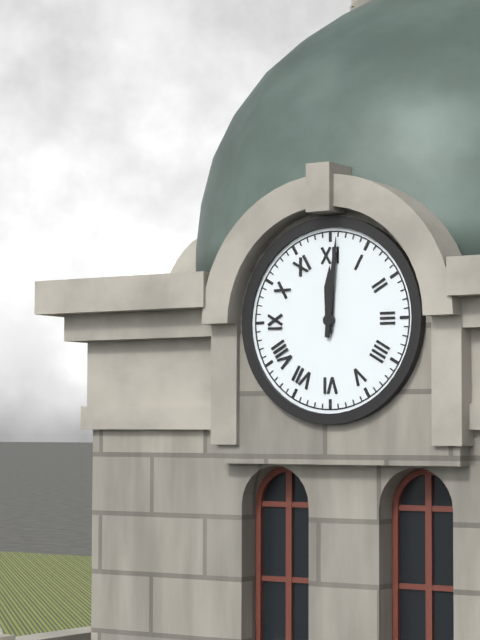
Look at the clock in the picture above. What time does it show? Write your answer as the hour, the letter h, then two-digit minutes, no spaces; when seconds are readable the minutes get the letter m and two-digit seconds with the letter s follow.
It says 12h01
